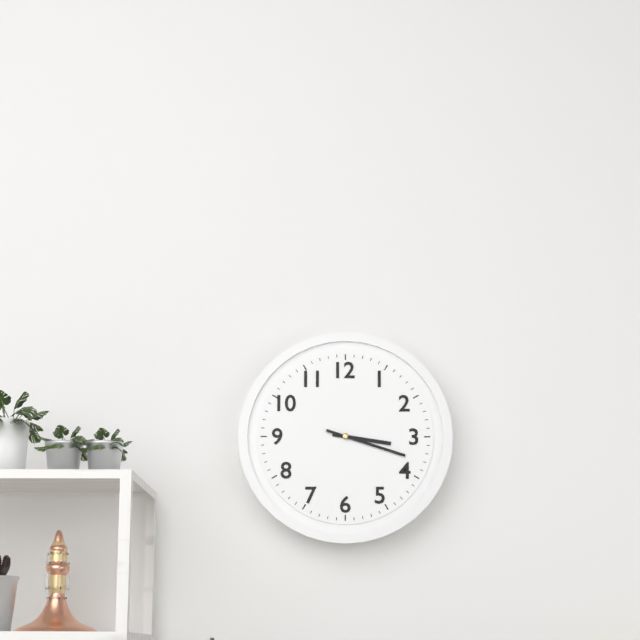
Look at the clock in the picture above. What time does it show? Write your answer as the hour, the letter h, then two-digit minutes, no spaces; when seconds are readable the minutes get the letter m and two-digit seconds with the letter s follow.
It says 3h18
